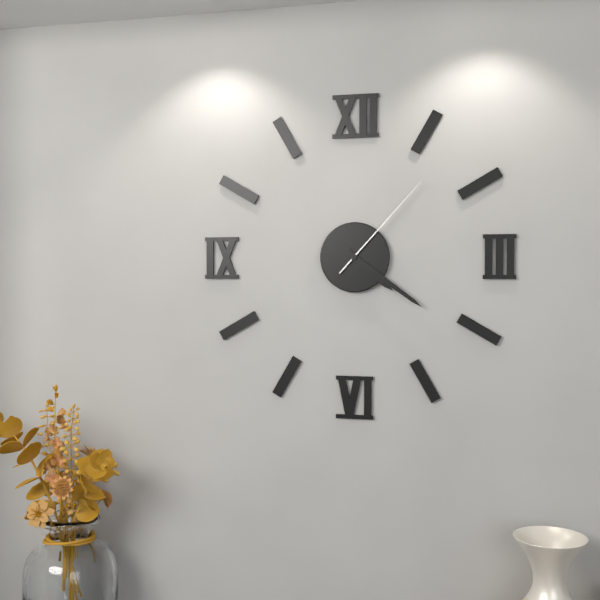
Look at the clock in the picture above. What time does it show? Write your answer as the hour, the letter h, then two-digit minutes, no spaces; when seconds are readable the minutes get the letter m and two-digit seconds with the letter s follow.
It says 4h21m07s
